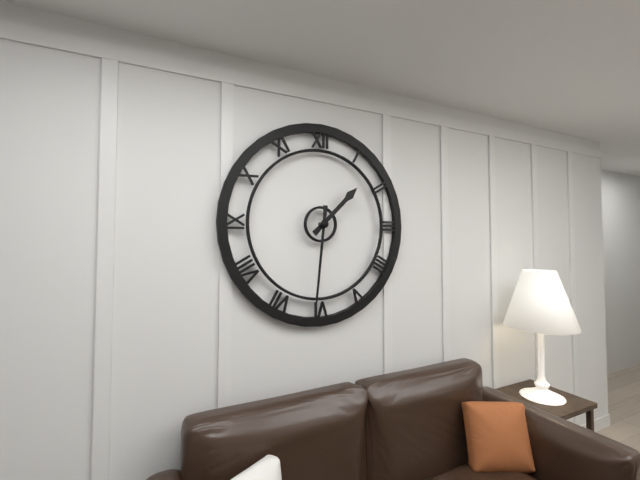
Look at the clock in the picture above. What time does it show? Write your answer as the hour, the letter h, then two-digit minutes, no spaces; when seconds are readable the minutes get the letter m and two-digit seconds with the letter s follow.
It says 1h31
